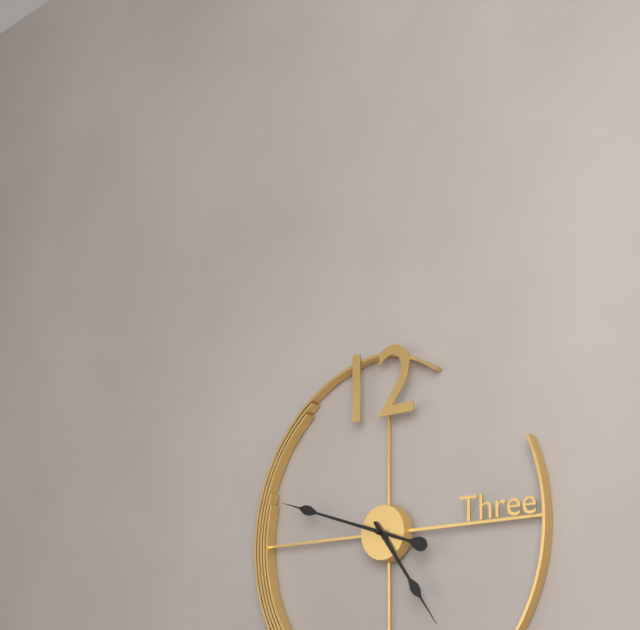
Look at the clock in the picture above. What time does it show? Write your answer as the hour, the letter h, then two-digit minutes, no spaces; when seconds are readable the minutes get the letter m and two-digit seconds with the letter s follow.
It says 4h48
